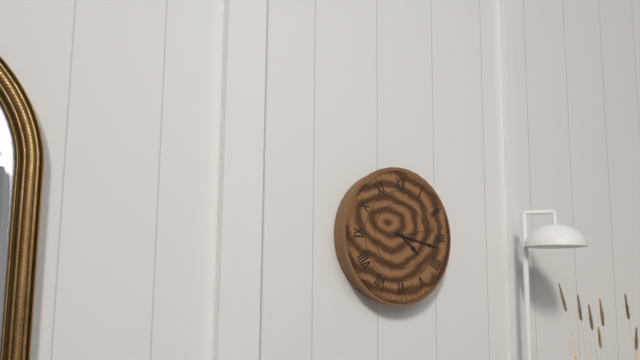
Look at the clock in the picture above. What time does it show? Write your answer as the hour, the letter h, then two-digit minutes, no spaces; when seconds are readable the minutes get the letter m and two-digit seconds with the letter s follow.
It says 4h17
